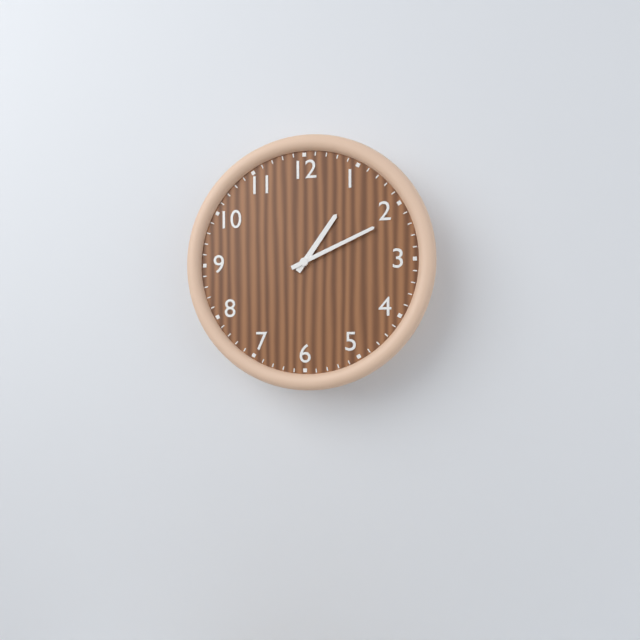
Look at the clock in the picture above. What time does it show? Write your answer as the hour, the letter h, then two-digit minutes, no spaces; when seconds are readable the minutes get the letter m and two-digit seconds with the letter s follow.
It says 1h11
